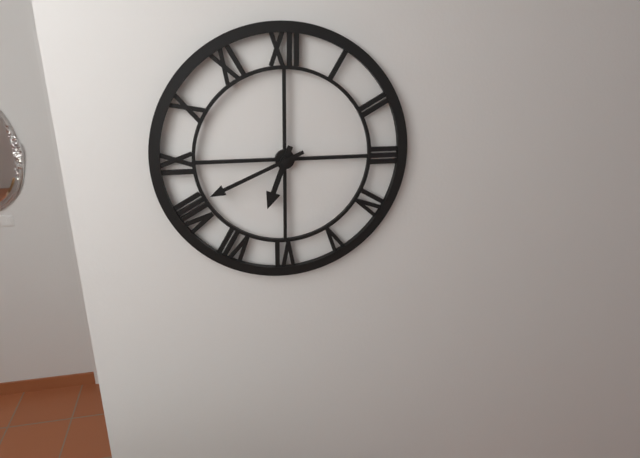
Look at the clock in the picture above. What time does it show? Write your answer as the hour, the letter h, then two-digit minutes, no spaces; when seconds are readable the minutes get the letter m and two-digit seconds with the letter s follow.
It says 6h41
